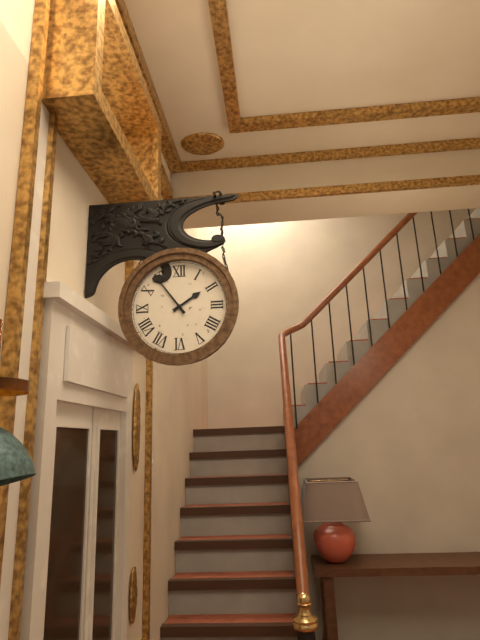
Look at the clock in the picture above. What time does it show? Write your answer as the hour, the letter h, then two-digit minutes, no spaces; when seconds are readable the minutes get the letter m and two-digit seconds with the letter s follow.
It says 1h54
